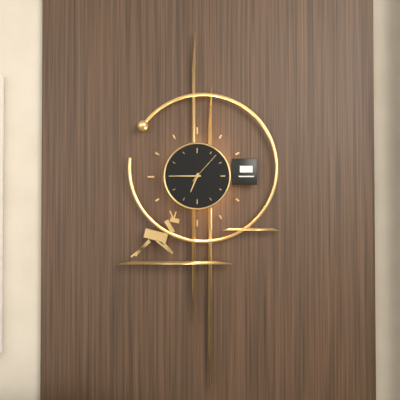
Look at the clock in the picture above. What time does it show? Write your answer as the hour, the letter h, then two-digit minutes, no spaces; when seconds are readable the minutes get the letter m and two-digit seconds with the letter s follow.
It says 6h45
